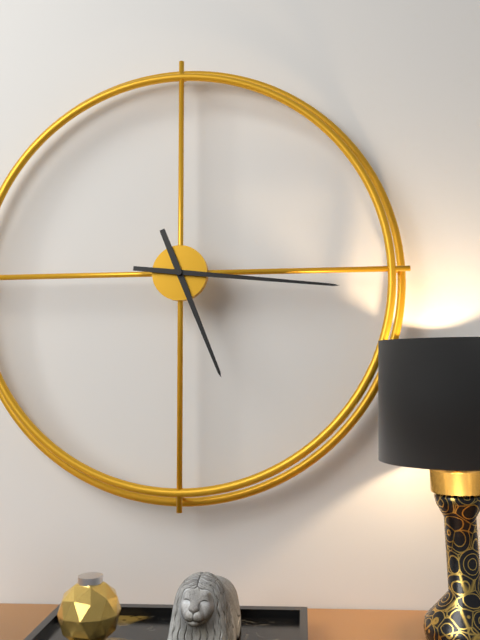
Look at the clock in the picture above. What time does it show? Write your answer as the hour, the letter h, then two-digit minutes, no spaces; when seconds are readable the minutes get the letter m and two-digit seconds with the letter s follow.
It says 5h16
